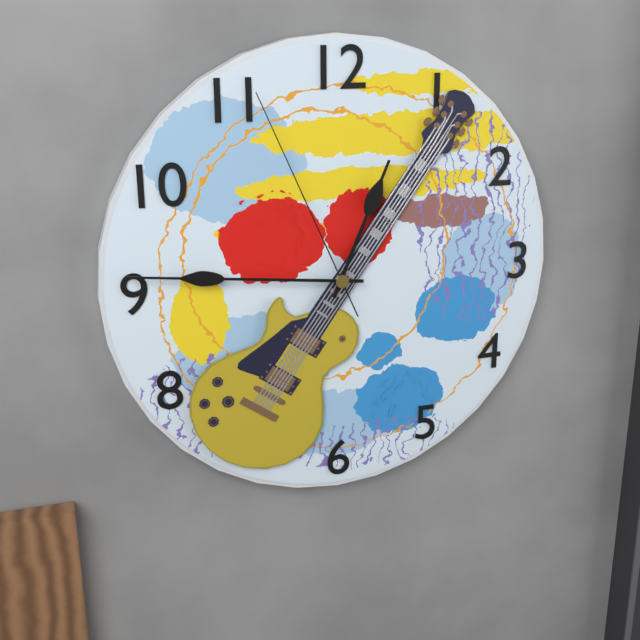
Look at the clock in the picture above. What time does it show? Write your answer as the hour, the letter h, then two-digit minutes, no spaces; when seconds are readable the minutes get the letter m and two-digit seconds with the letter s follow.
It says 12h46m56s
